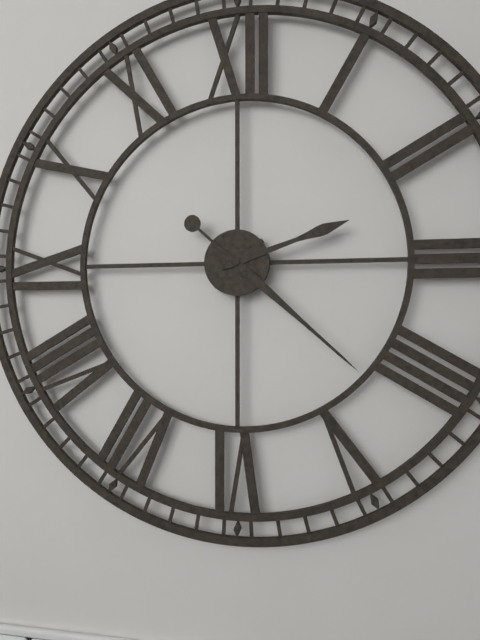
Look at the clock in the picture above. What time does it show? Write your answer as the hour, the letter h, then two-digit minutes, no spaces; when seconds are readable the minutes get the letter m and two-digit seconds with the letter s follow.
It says 2h22
